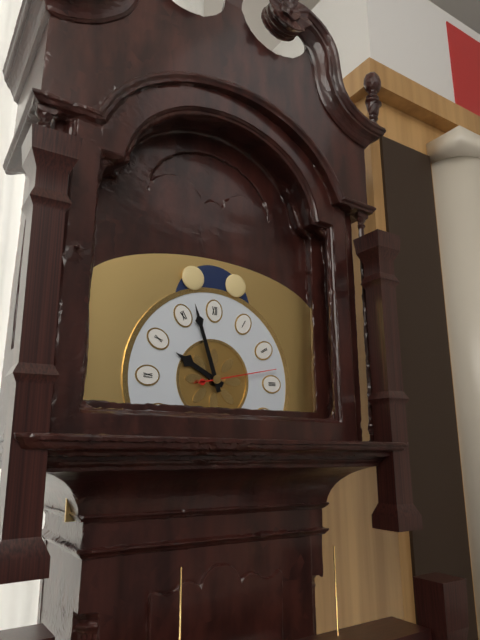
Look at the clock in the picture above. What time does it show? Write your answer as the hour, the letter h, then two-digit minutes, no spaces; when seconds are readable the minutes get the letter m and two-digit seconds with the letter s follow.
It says 9h57m13s
